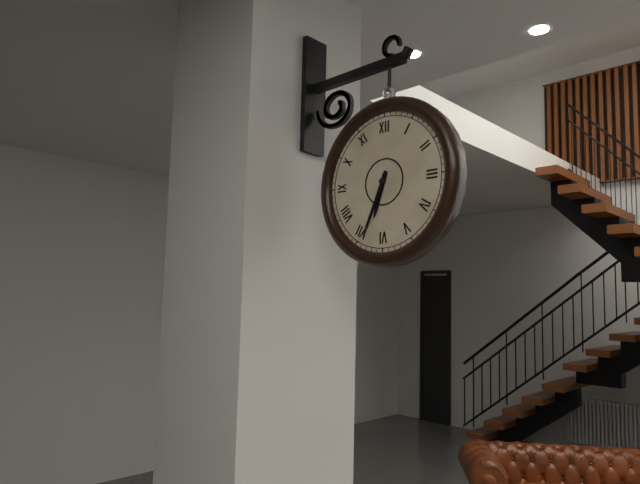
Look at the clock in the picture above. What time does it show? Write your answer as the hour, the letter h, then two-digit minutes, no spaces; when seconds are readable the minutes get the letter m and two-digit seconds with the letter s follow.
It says 6h34
